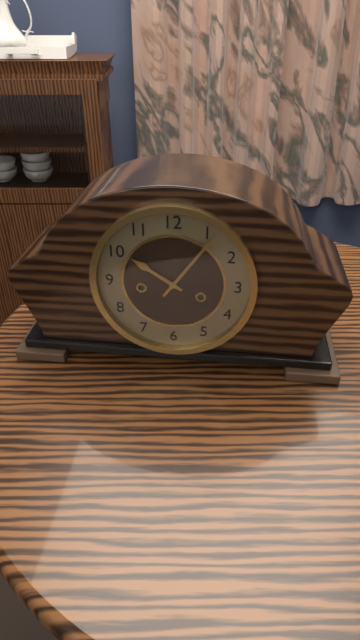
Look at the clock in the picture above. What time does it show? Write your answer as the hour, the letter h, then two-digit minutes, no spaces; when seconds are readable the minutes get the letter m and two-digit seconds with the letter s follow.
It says 10h06
